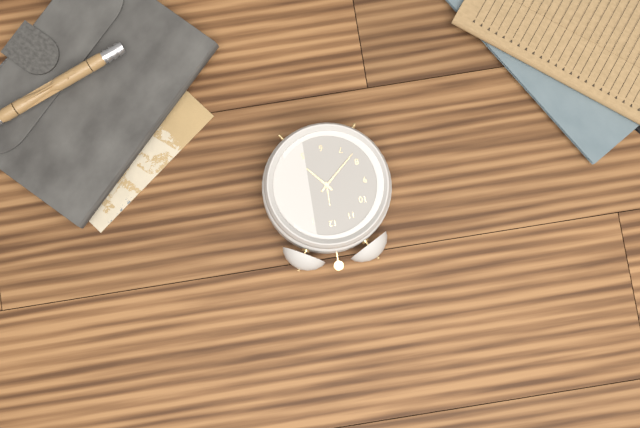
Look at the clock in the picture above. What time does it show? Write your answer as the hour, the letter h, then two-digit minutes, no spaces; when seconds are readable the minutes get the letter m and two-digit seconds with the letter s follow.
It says 4h38
